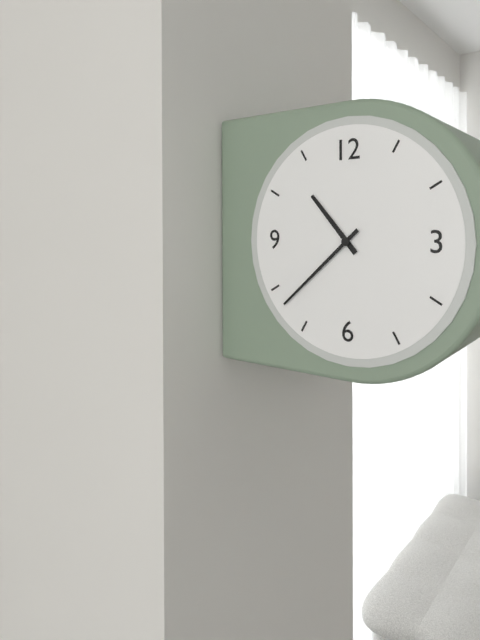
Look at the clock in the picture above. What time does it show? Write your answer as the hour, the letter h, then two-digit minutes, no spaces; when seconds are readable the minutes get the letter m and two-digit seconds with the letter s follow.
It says 10h38
